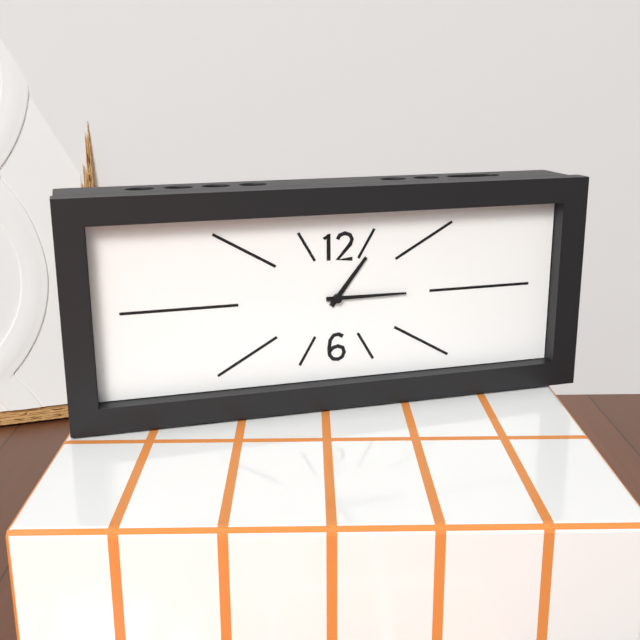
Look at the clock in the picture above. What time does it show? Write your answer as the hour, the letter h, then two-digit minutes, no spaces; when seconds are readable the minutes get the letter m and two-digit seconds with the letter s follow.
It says 1h15
